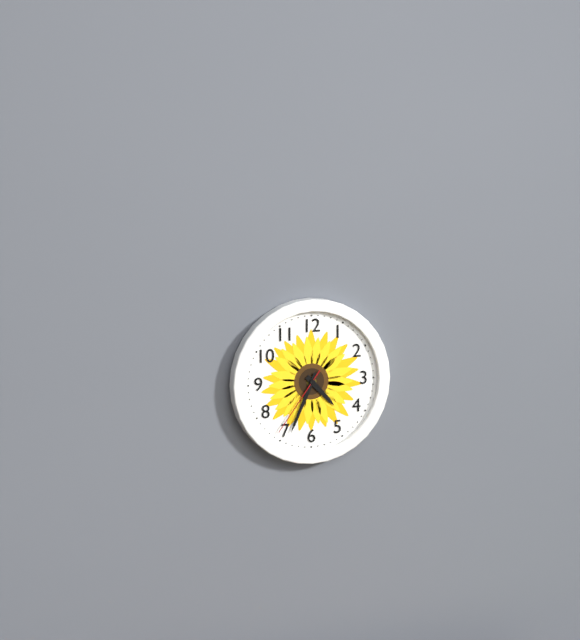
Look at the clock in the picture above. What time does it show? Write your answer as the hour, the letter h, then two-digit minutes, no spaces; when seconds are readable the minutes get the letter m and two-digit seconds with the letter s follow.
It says 4h34m36s
